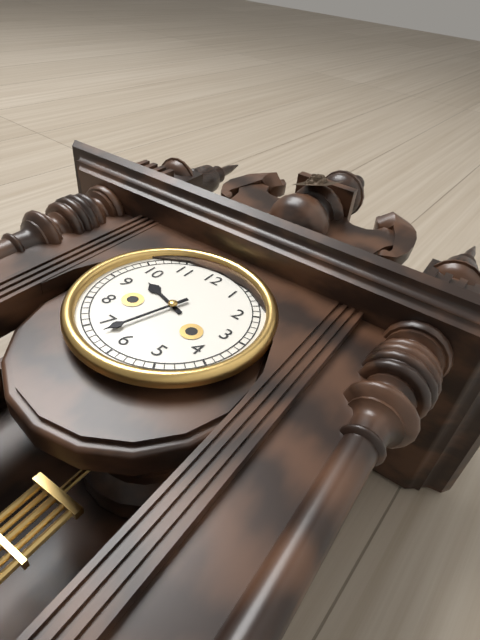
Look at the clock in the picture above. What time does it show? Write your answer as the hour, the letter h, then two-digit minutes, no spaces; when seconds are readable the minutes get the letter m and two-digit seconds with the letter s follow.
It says 9h33
